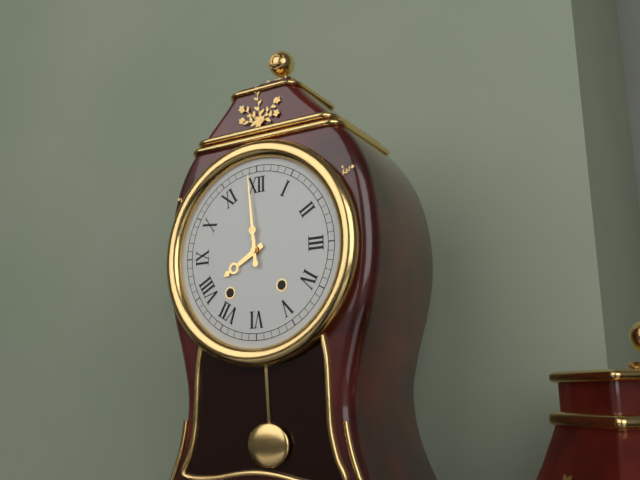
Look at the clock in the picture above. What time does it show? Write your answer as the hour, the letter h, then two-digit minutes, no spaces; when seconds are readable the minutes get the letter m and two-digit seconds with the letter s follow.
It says 7h59
